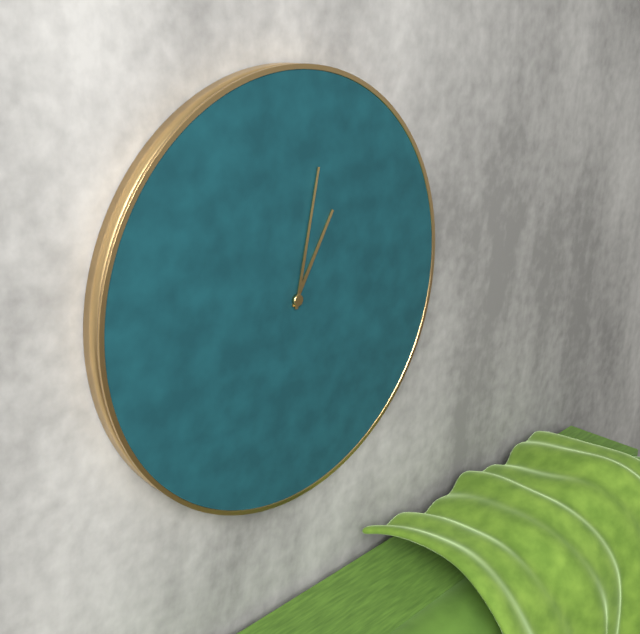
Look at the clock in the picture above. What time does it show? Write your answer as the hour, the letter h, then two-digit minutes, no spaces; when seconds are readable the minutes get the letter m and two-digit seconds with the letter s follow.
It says 1h02
